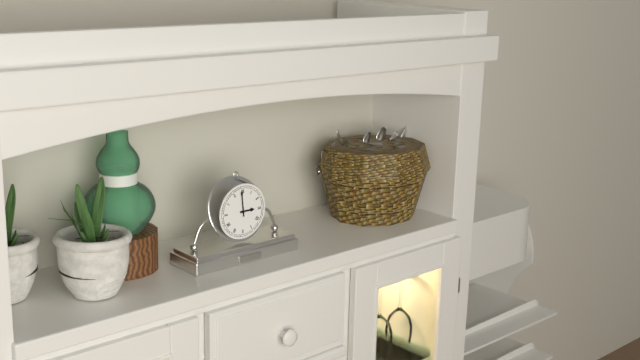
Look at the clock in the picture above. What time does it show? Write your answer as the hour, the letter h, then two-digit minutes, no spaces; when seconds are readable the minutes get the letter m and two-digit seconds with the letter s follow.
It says 2h59
